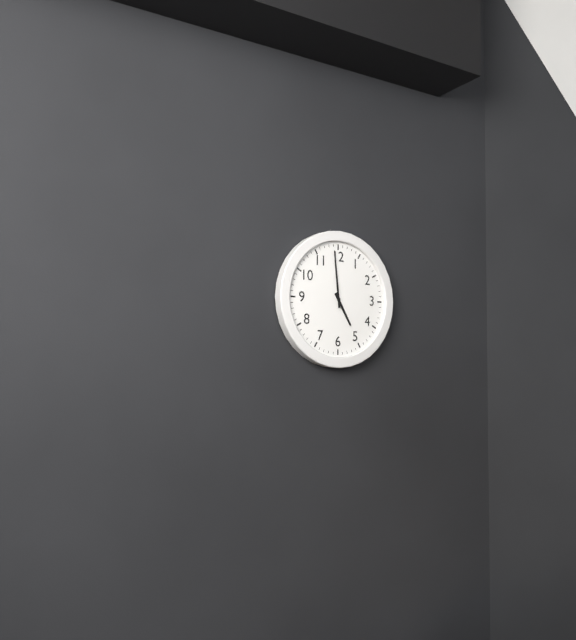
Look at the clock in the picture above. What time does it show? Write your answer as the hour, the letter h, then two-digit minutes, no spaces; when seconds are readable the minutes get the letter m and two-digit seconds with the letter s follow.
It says 4h59
